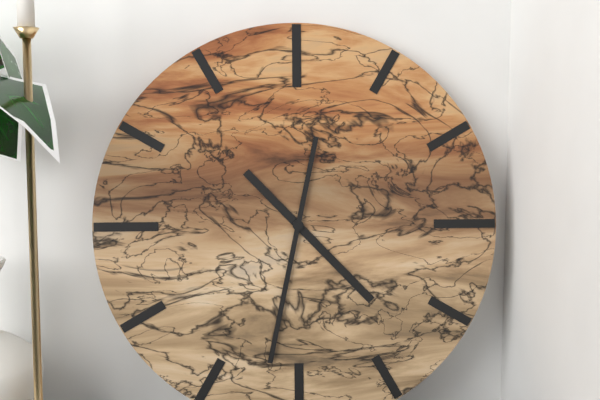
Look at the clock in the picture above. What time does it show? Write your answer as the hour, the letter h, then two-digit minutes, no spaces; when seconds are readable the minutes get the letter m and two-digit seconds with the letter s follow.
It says 4h32
